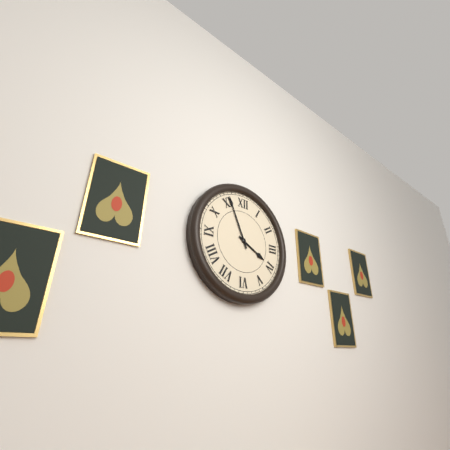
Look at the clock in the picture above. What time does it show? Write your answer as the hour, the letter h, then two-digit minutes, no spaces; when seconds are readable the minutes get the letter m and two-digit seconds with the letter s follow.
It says 3h56
